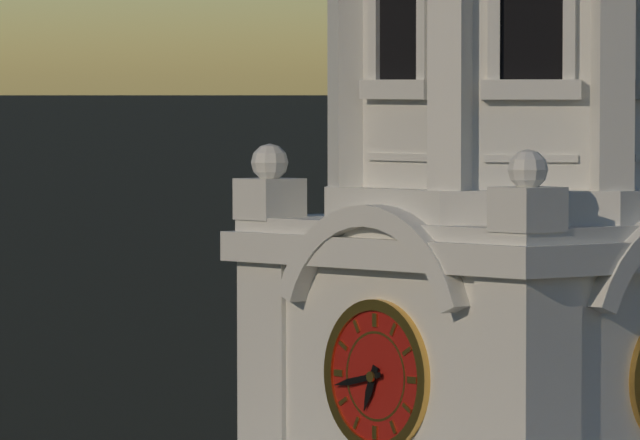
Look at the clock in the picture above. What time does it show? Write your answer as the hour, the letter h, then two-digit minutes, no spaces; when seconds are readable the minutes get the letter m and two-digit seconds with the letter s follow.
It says 6h43
